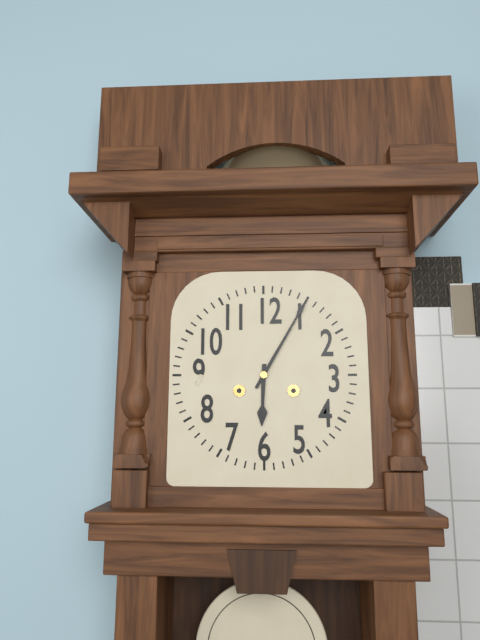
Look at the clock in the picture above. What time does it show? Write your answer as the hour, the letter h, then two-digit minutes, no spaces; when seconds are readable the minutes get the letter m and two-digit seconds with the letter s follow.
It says 6h05
